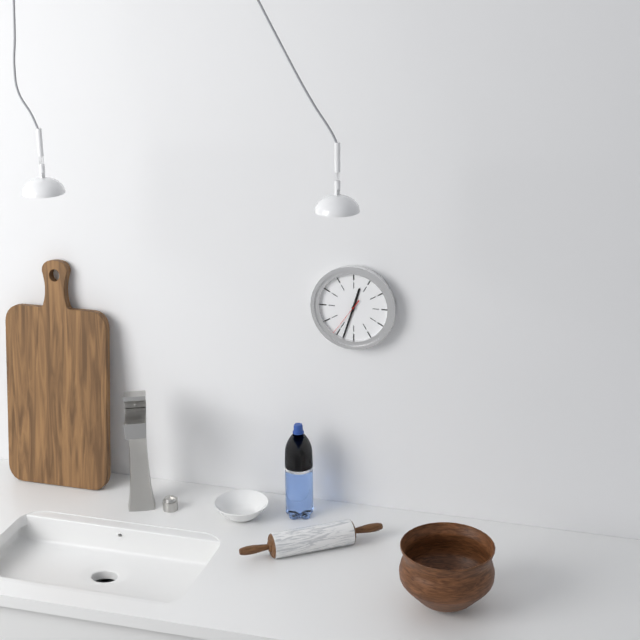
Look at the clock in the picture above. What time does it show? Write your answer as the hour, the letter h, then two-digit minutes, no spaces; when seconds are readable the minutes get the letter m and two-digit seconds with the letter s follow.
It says 12h33
